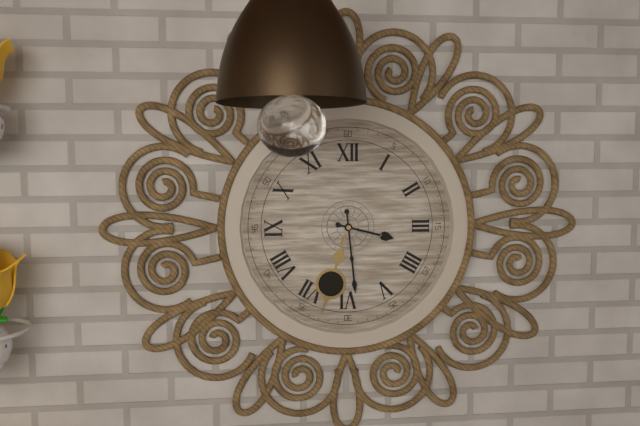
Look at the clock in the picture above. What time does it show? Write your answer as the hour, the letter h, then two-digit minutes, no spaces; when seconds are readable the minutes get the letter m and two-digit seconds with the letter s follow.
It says 3h29
